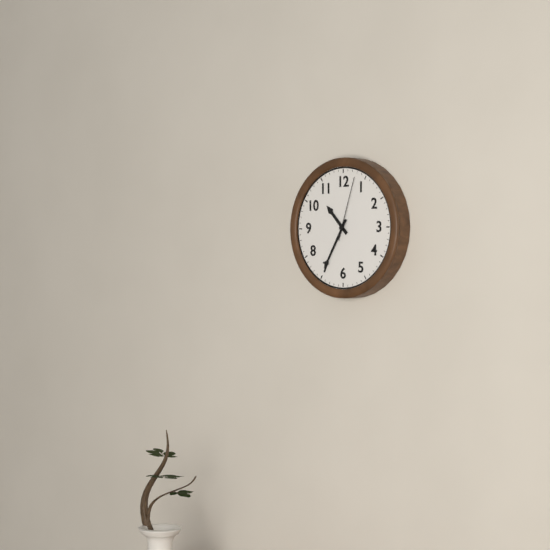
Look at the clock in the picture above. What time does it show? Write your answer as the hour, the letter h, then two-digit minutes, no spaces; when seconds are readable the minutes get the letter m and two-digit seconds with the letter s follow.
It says 10h35m03s
